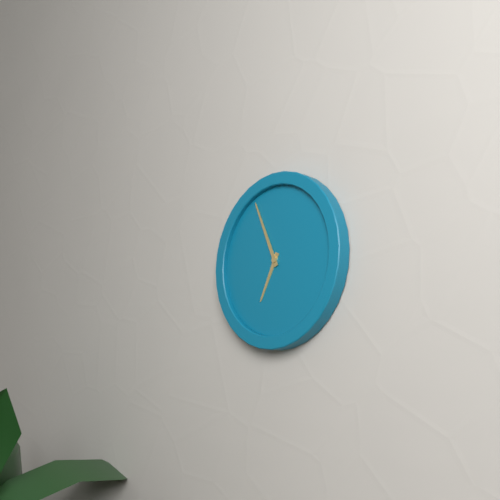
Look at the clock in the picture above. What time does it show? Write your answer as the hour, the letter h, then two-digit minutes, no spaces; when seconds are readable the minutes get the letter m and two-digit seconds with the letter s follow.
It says 6h56
